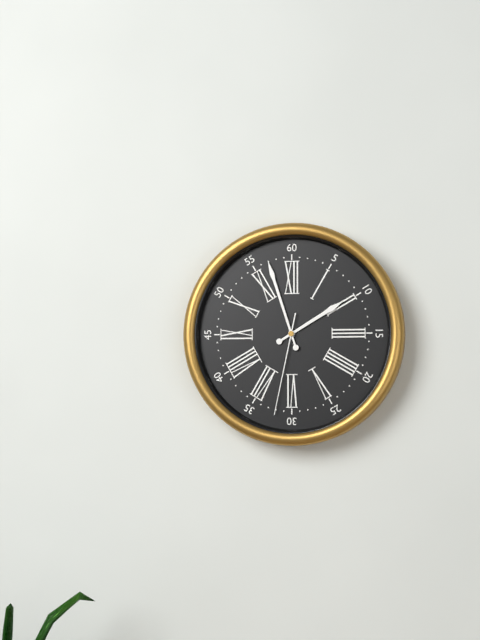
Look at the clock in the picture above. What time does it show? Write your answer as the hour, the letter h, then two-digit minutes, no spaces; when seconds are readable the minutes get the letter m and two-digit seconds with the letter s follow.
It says 1h57m32s
